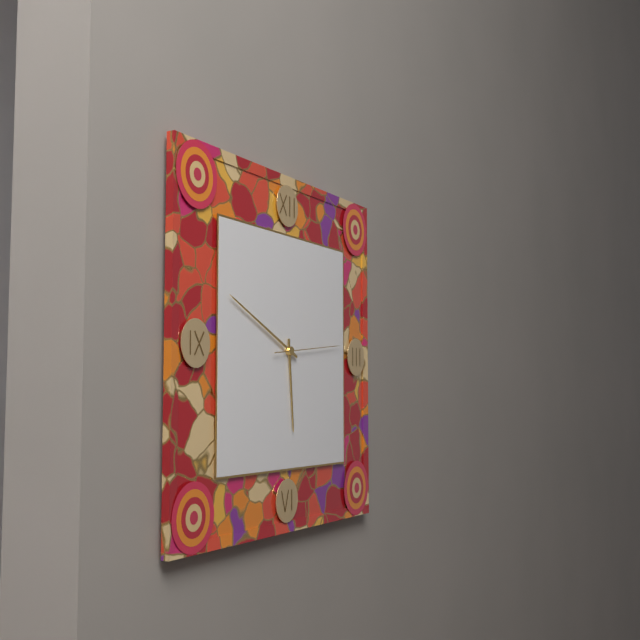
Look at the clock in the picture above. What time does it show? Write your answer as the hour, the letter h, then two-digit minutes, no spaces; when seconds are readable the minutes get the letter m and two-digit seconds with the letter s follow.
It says 5h49m14s
